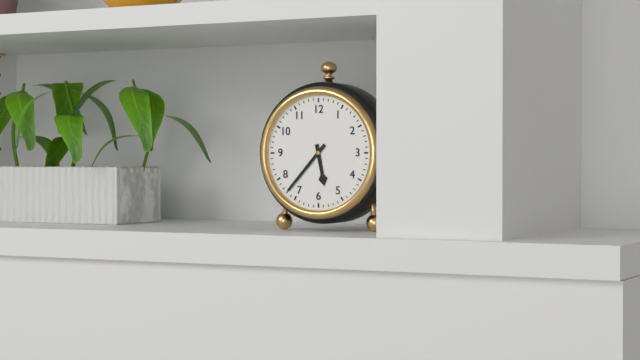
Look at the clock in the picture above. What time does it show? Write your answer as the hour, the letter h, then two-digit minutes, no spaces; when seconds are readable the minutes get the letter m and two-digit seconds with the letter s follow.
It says 5h37
